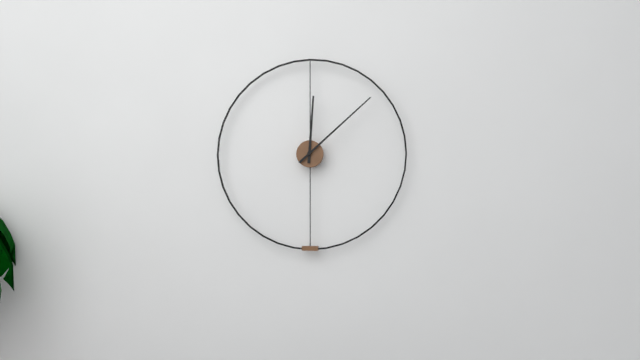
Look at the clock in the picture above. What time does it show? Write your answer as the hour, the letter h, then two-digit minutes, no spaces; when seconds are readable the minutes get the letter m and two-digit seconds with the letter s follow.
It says 12h08
